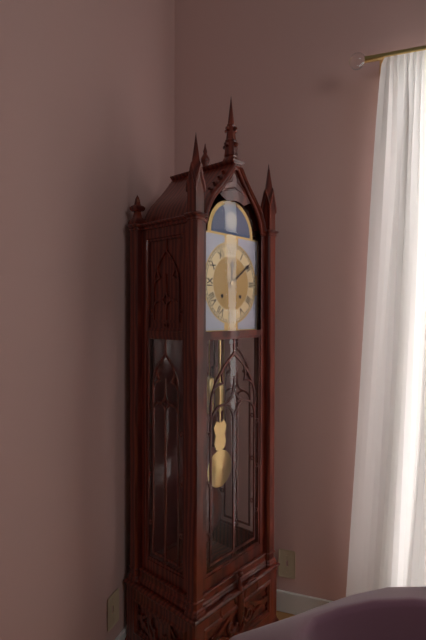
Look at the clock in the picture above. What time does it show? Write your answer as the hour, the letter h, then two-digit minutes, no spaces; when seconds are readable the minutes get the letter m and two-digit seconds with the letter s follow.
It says 12h09
